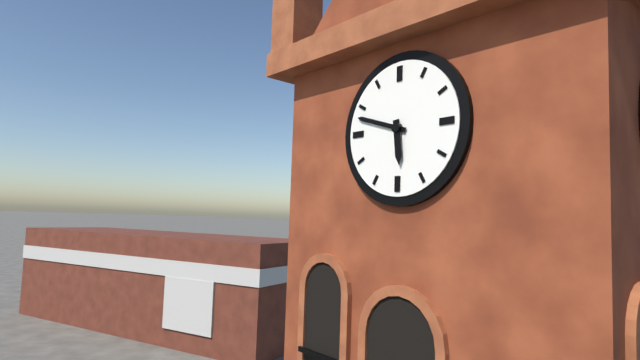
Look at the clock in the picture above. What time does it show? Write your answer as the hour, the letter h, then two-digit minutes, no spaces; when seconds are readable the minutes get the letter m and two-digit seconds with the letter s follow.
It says 5h48
